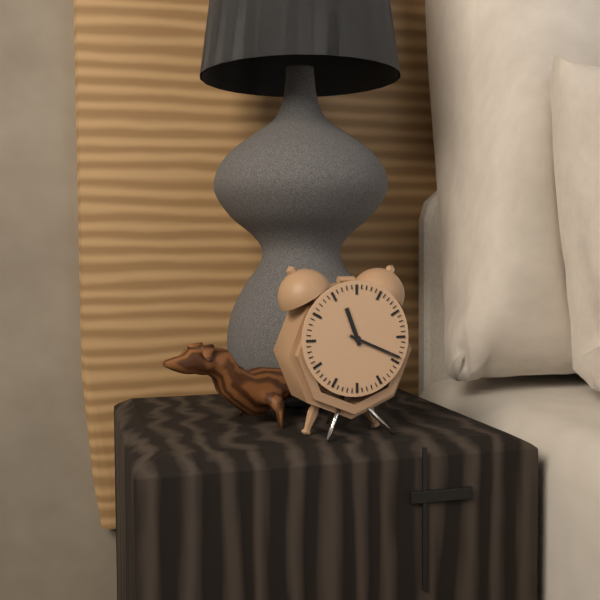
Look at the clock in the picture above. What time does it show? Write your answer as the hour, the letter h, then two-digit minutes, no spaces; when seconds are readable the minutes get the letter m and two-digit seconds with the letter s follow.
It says 11h19
